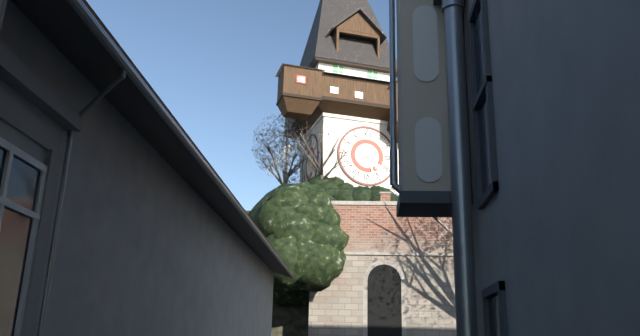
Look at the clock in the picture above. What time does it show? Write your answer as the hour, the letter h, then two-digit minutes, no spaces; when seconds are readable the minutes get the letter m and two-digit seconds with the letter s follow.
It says 4h27
